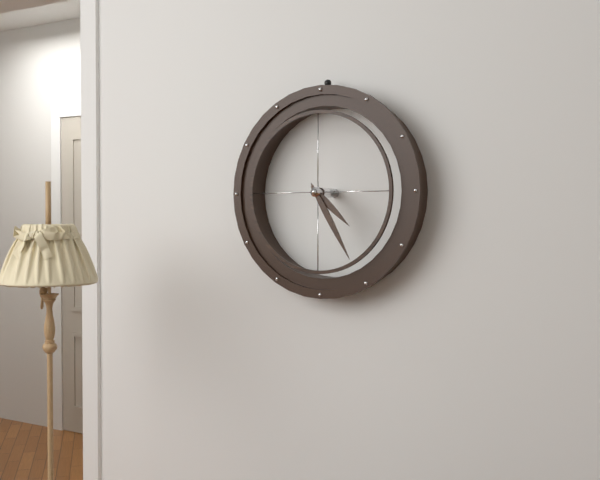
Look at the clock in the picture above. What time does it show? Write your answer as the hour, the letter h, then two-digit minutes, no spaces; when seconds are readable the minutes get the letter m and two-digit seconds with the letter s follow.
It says 4h25
